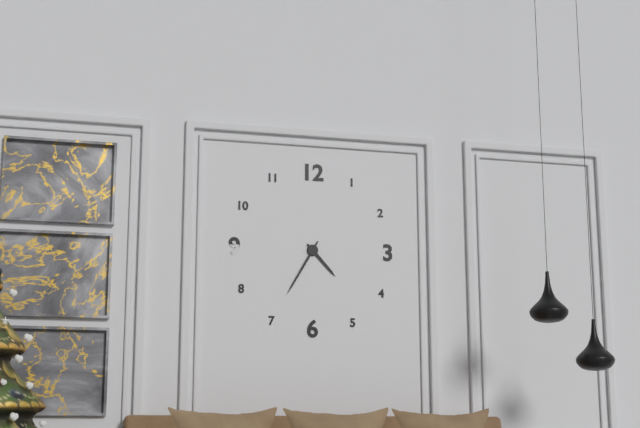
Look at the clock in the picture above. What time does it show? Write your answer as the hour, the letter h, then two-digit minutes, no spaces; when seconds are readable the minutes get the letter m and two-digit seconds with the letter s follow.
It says 4h35
